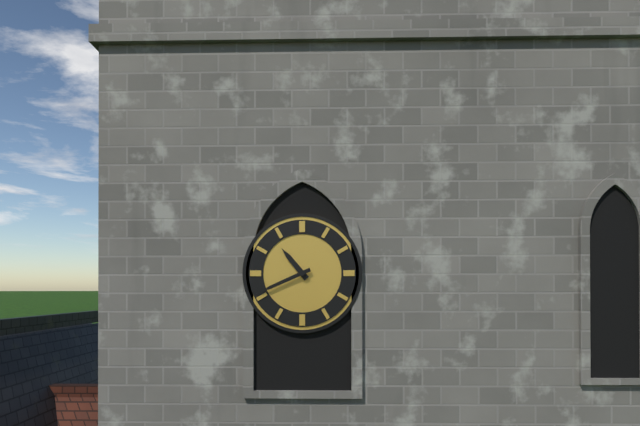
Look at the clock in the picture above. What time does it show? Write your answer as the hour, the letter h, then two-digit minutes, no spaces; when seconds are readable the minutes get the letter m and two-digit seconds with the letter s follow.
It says 10h41
